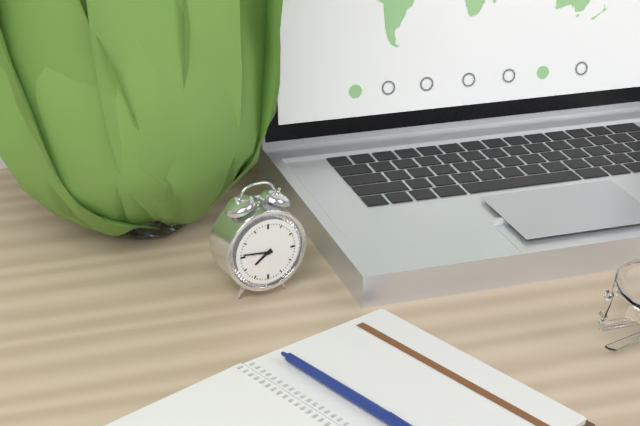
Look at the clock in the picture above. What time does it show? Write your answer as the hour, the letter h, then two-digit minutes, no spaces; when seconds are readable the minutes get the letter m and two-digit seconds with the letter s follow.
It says 7h46
